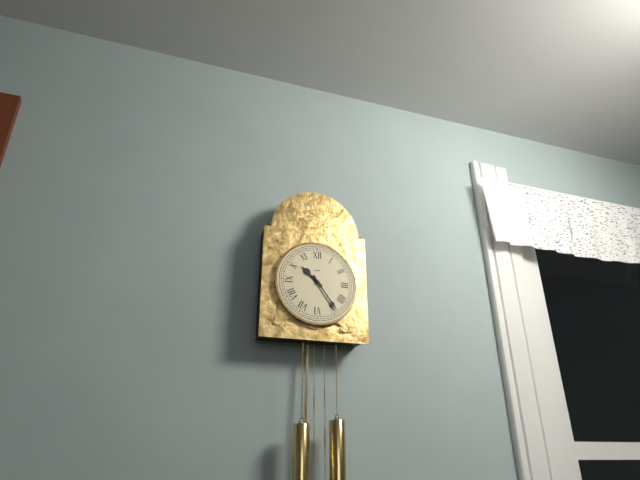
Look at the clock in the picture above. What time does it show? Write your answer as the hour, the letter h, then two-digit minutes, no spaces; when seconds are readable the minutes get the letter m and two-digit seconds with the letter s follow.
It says 10h24
